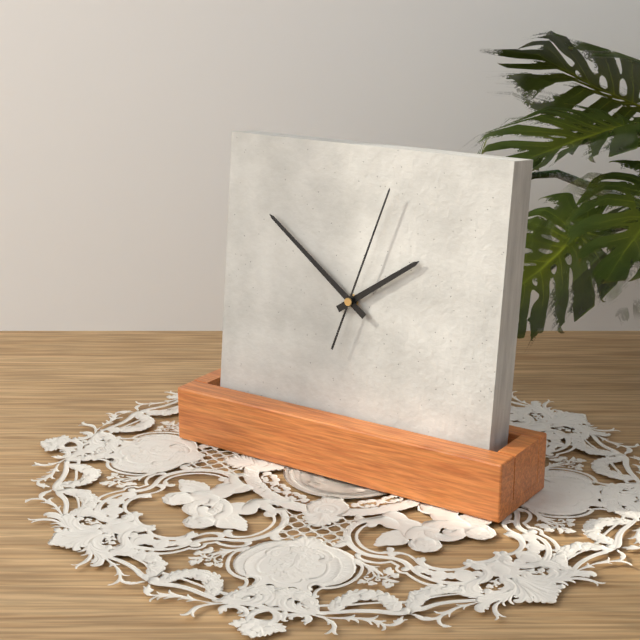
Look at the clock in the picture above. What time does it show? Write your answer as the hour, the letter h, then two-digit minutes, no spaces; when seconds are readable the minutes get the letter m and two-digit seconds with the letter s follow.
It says 1h51m03s
